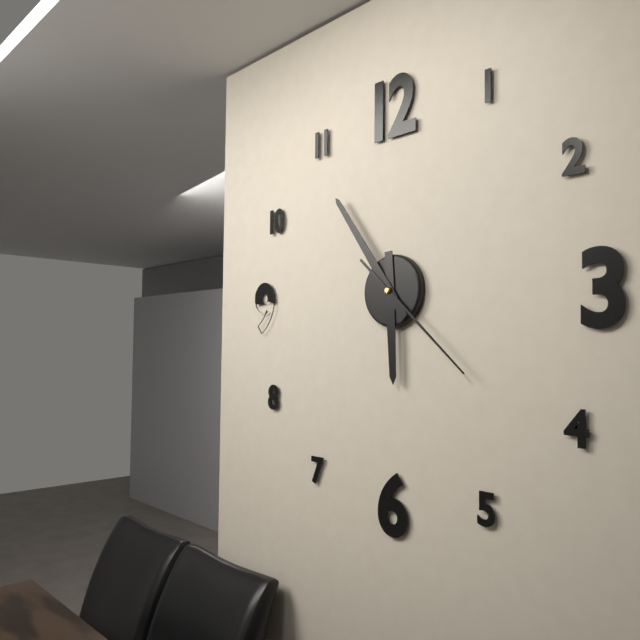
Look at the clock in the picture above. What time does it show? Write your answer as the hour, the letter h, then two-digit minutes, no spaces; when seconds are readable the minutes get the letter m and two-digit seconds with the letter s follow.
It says 5h54m22s
